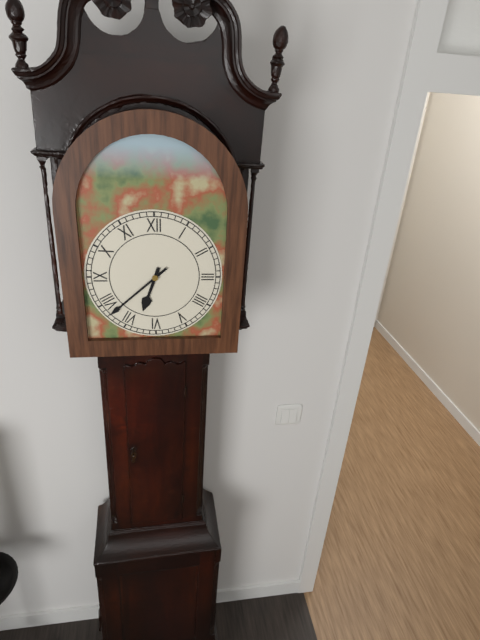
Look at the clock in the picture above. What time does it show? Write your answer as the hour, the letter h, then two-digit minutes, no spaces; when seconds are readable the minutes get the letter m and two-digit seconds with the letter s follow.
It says 6h38
